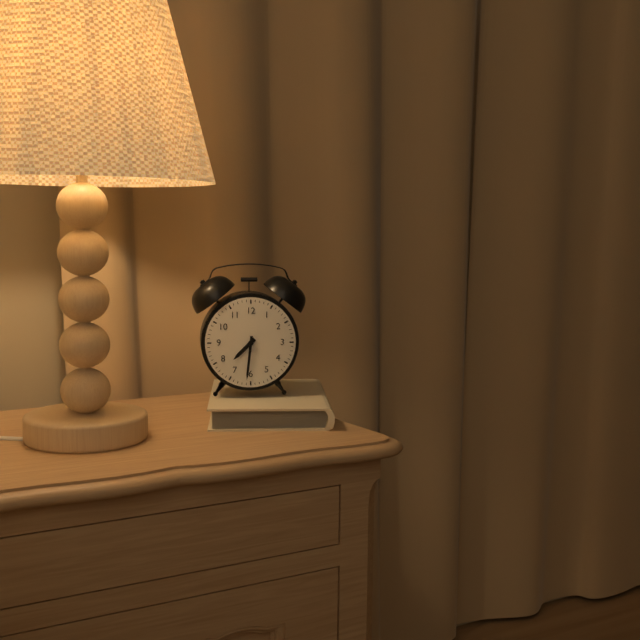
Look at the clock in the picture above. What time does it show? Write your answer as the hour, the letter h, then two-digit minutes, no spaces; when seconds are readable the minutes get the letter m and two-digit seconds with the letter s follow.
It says 7h31
